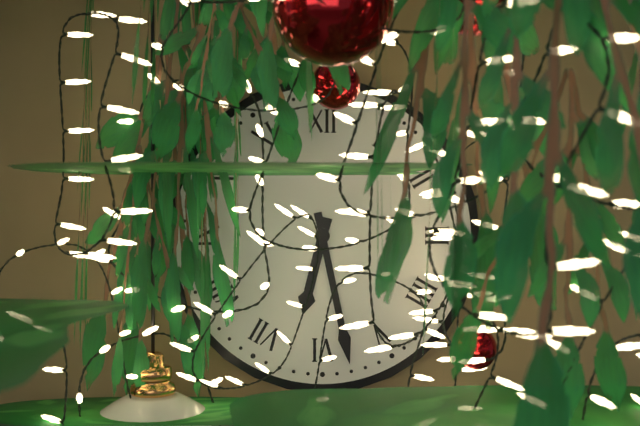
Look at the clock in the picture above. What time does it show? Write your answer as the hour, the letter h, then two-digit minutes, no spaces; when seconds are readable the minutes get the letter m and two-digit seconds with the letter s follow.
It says 6h28
